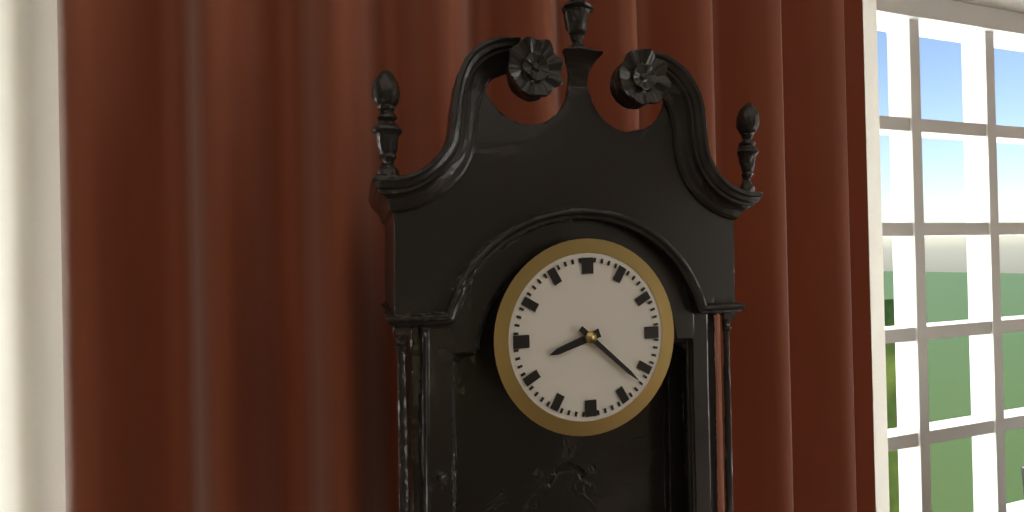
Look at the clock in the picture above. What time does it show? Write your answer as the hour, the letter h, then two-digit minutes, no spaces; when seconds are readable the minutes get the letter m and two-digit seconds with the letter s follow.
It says 8h22
